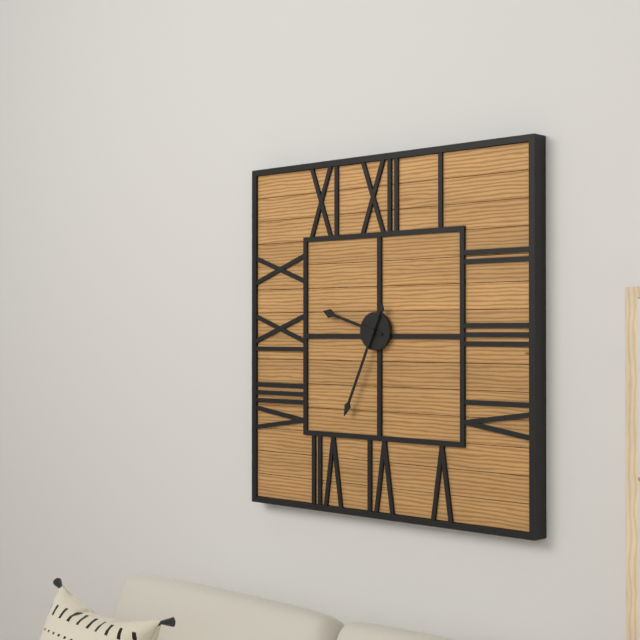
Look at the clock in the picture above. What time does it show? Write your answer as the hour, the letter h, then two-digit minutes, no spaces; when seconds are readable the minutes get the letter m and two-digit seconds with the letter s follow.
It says 9h34
